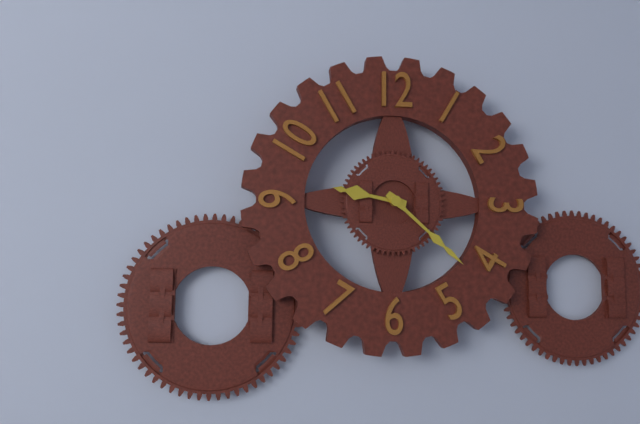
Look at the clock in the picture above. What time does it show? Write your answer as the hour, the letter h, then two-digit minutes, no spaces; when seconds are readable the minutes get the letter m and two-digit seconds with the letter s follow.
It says 9h22
